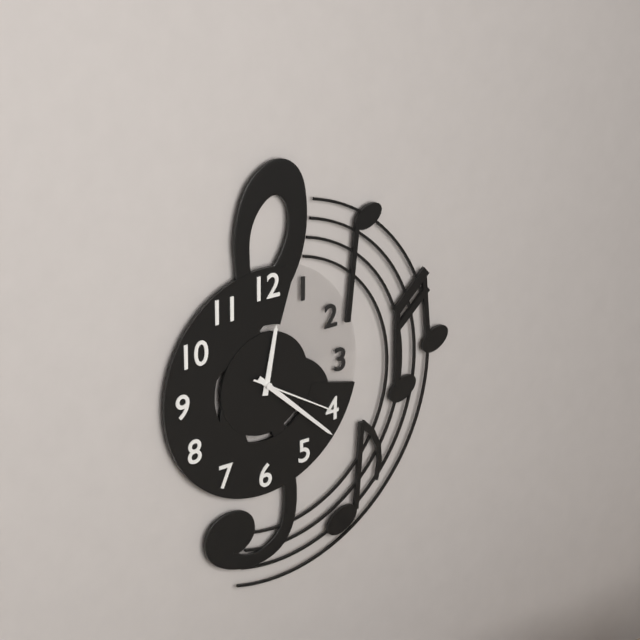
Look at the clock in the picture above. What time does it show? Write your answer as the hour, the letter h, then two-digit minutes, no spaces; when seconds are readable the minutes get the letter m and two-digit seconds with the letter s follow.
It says 12h22m20s
